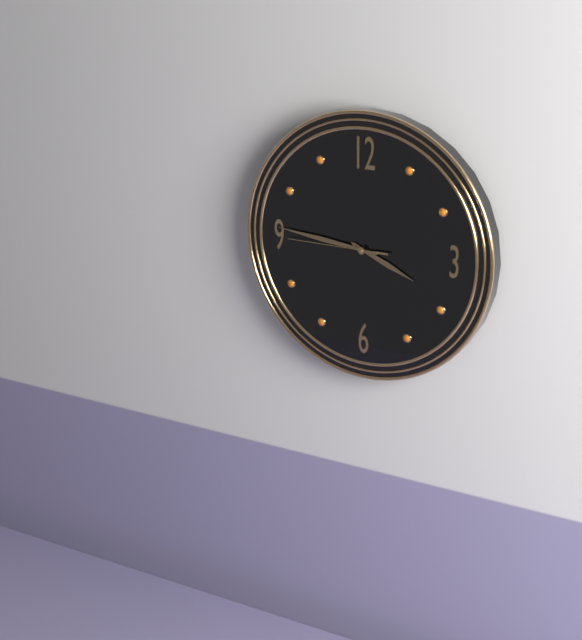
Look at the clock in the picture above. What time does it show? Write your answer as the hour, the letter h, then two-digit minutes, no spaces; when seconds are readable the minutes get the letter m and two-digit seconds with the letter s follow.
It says 3h46m45s
